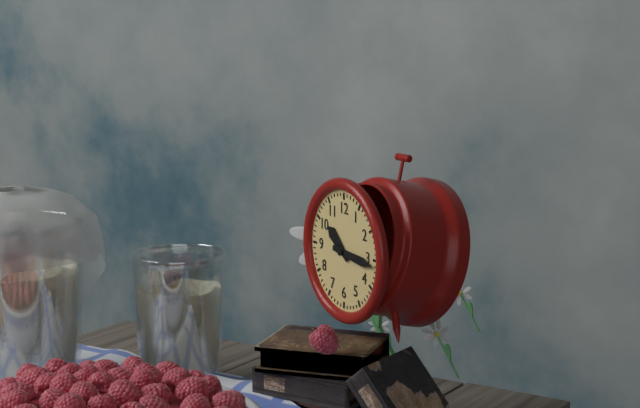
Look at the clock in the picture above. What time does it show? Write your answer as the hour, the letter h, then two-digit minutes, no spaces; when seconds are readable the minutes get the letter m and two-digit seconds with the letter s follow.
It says 10h16
